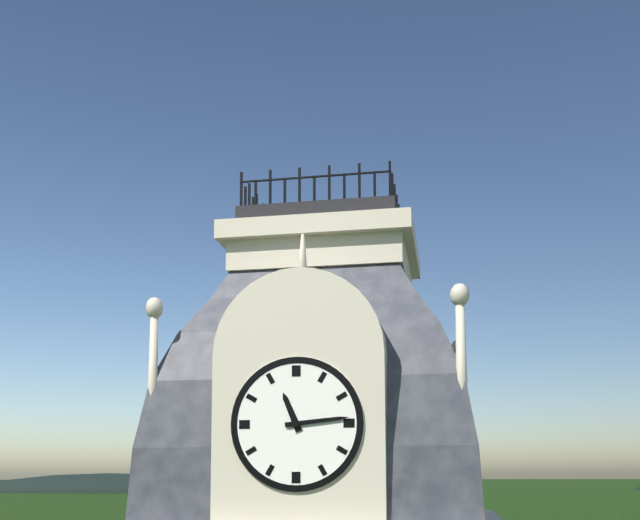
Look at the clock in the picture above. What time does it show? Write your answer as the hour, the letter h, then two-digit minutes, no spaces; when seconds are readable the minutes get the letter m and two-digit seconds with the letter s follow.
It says 11h14
